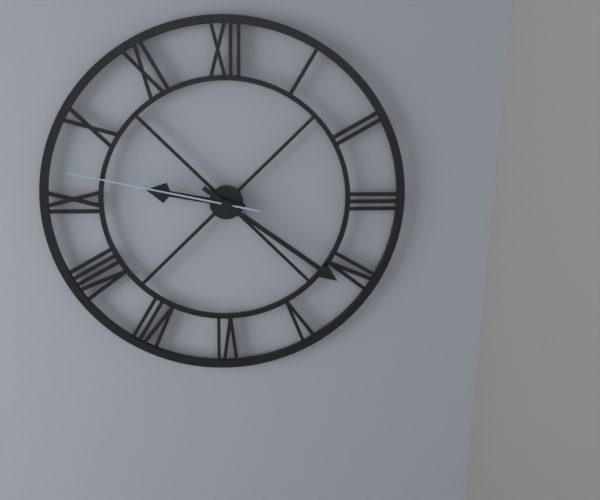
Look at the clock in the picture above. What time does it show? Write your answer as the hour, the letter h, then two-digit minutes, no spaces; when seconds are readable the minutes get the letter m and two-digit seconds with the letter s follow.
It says 9h21m47s
